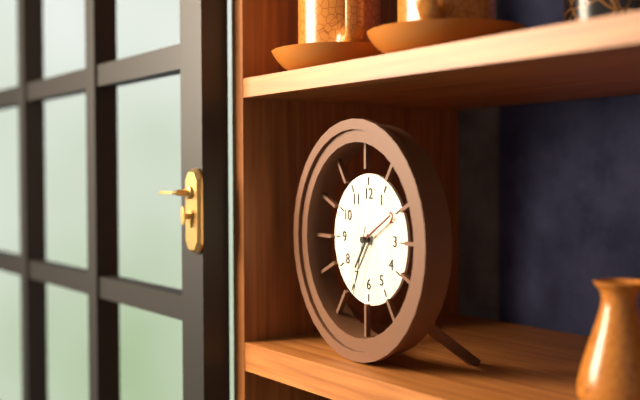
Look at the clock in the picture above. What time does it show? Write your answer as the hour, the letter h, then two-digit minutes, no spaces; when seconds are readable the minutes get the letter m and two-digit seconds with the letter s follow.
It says 7h10m33s
